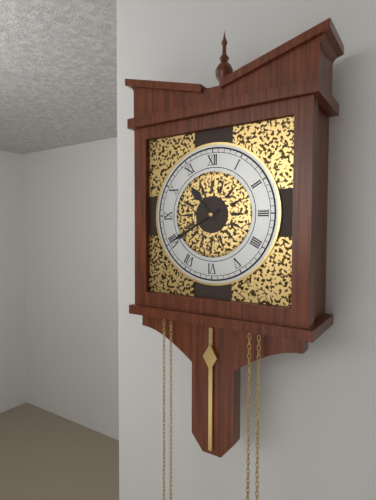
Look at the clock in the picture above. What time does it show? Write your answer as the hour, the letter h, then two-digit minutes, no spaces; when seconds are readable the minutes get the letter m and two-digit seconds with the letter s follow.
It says 10h40
